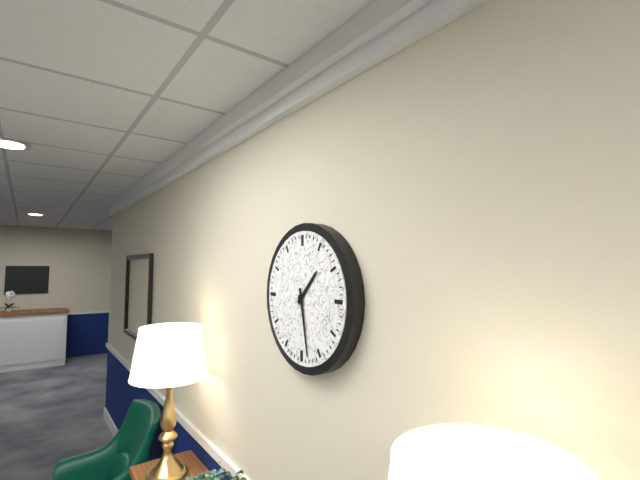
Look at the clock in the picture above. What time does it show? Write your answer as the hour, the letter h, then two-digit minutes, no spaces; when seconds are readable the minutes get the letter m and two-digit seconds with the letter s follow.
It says 1h28
